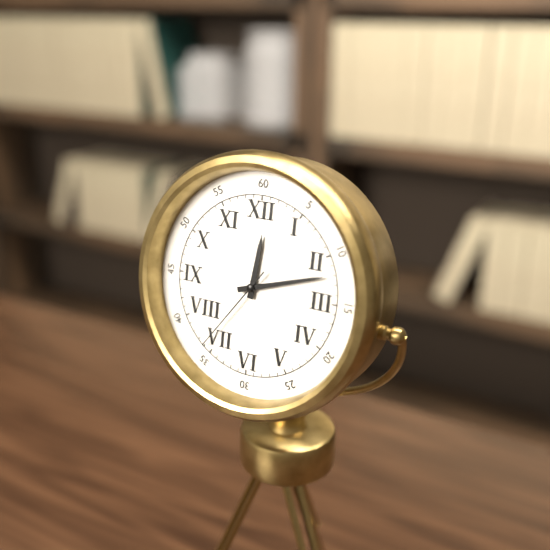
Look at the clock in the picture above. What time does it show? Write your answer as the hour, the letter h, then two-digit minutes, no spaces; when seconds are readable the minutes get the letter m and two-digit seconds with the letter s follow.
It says 12h12m36s
